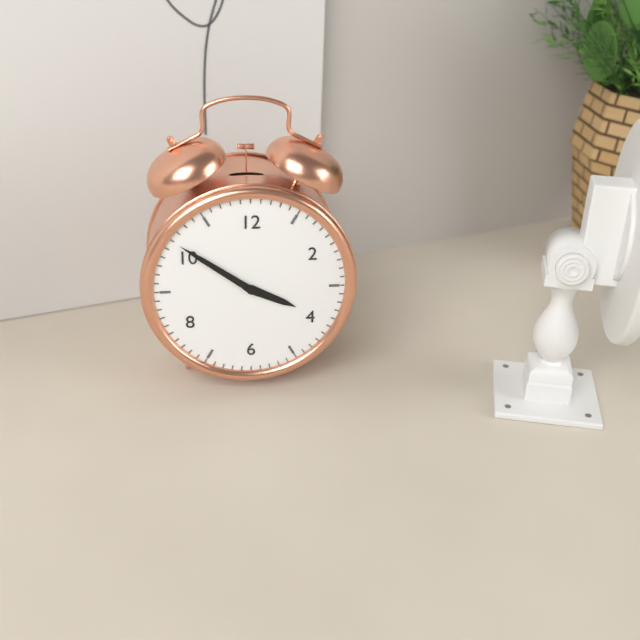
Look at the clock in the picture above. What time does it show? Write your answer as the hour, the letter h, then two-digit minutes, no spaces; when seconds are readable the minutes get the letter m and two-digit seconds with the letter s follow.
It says 3h51
